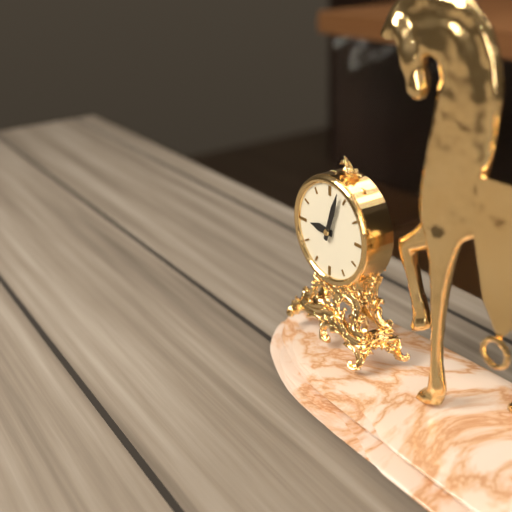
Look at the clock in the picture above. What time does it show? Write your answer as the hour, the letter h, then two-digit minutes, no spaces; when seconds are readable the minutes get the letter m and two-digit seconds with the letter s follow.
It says 9h03
